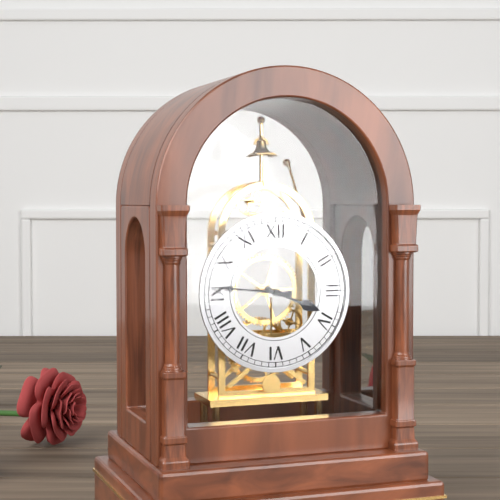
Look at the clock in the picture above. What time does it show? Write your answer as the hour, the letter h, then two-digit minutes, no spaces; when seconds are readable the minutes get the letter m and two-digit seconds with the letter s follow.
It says 3h46
